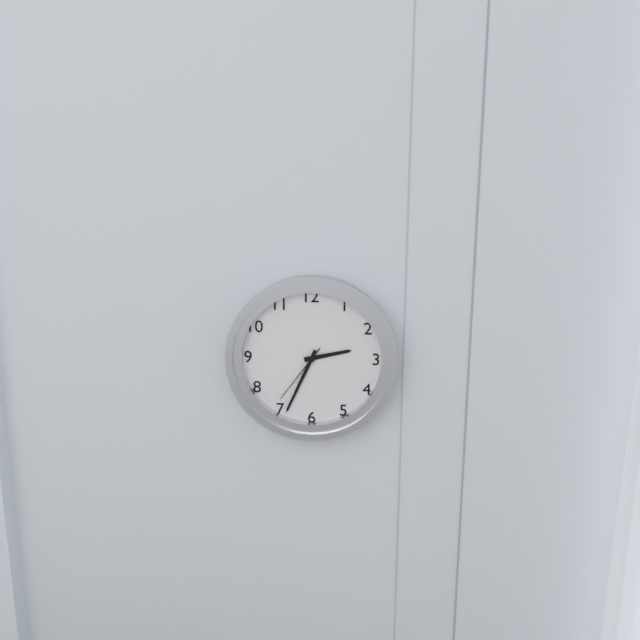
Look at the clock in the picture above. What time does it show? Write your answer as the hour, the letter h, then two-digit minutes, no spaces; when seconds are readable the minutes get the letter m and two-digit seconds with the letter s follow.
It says 2h34m36s
